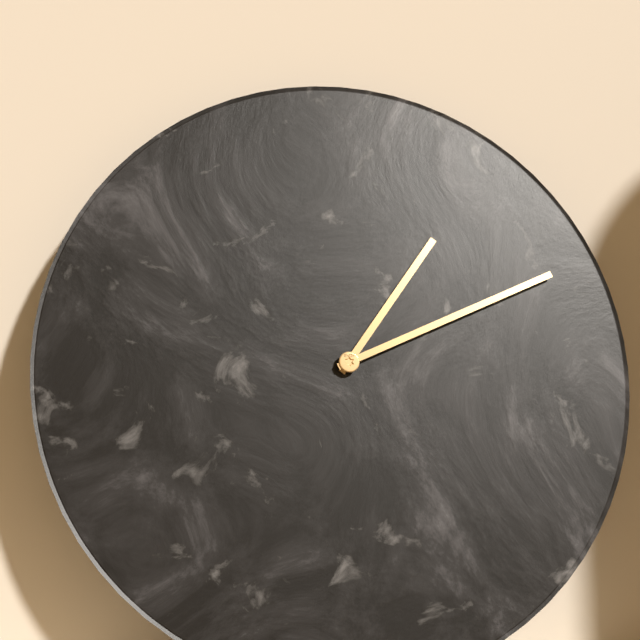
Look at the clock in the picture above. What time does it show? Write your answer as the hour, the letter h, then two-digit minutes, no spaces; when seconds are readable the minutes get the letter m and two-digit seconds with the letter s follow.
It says 1h11
